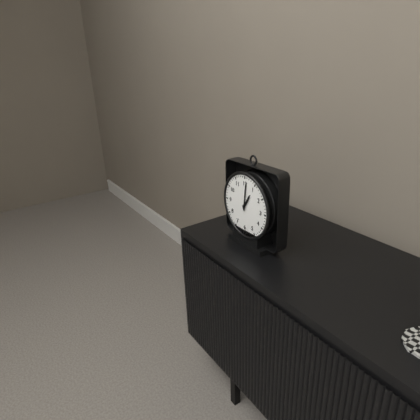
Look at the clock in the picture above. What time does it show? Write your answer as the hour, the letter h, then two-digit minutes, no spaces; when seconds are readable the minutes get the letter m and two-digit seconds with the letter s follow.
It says 1h01
